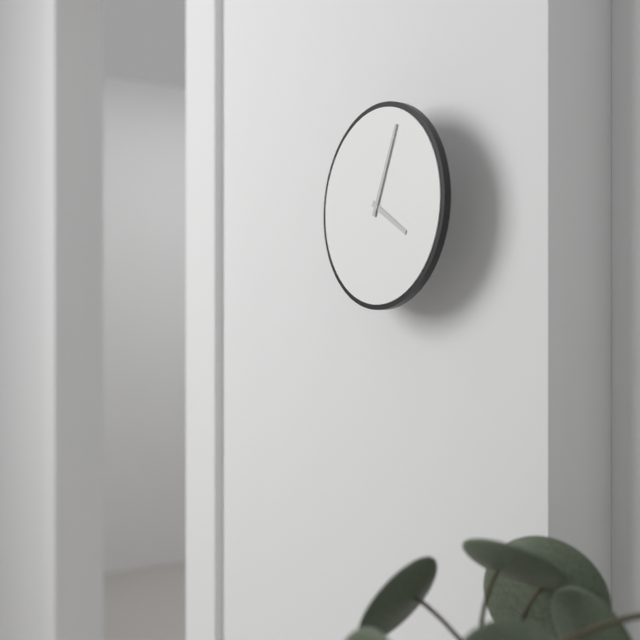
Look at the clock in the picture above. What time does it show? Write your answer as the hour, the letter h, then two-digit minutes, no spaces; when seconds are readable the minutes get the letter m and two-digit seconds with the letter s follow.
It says 4h04
